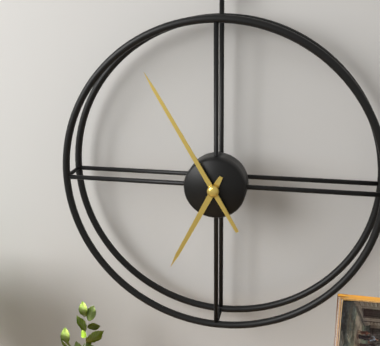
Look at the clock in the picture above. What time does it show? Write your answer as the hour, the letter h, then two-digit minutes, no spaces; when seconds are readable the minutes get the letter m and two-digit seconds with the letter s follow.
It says 6h55
